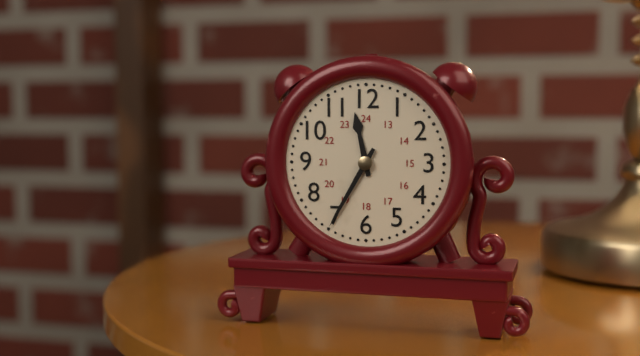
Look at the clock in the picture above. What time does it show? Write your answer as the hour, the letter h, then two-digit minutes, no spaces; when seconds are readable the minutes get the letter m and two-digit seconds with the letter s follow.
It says 11h35
